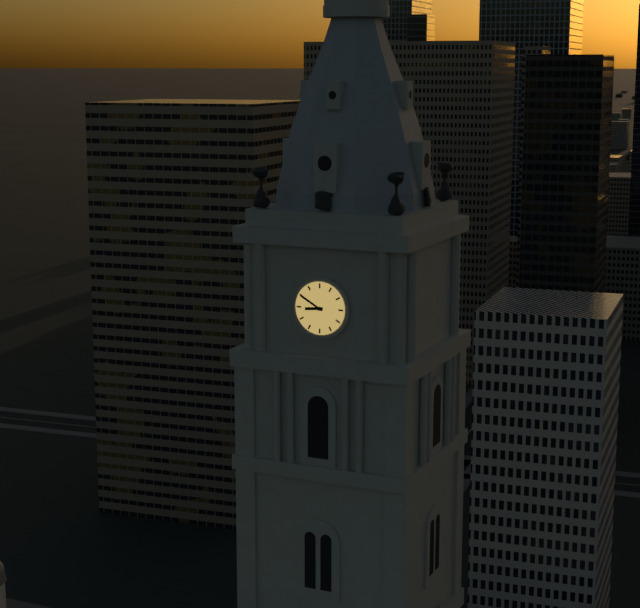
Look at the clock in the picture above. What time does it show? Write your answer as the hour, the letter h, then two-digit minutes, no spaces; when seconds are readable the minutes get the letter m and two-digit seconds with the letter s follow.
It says 8h50
